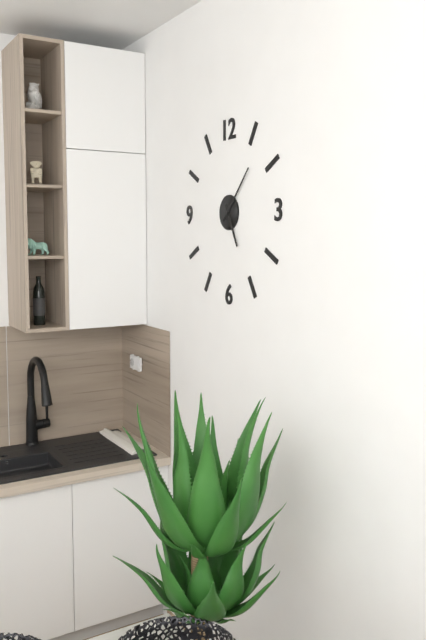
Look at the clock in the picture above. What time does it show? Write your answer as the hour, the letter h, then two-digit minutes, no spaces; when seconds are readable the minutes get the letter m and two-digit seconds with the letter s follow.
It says 5h07
